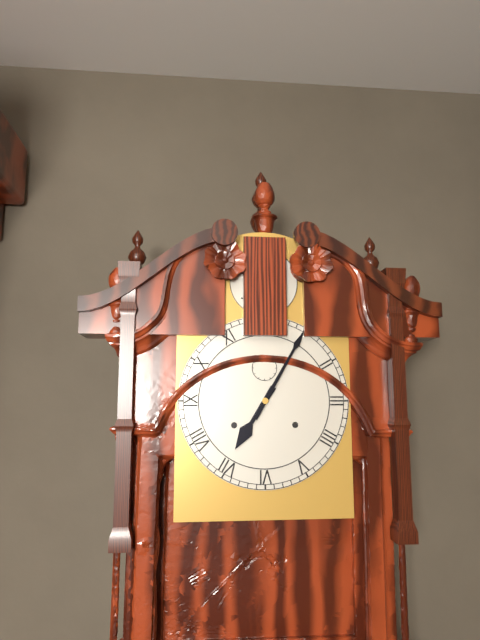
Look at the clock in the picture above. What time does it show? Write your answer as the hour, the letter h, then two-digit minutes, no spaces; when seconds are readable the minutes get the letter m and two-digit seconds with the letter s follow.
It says 7h05
